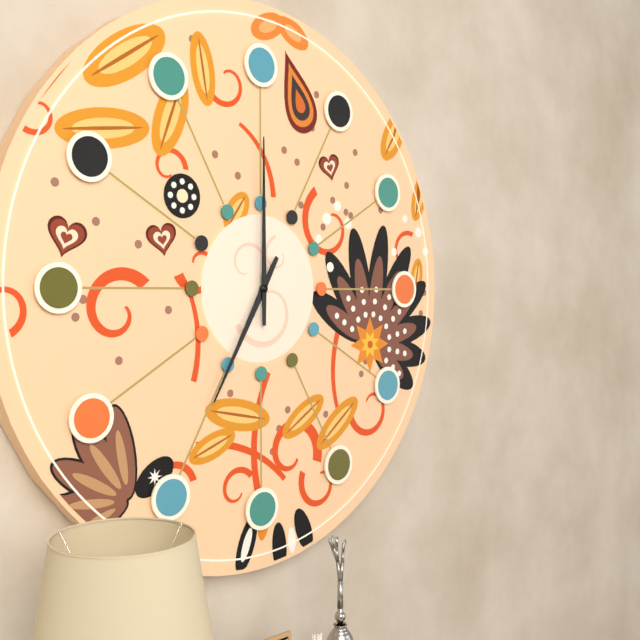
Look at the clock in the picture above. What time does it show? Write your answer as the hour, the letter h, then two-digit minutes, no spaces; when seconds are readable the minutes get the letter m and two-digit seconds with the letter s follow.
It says 7h00
